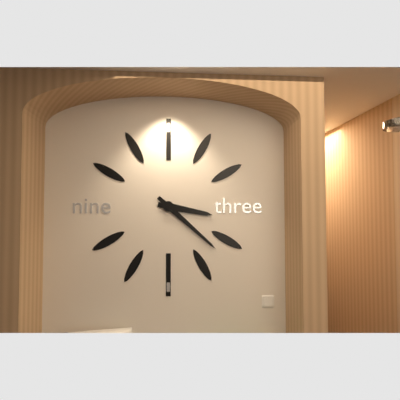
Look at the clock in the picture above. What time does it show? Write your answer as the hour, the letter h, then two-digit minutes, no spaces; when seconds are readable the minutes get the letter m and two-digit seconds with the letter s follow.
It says 3h22
